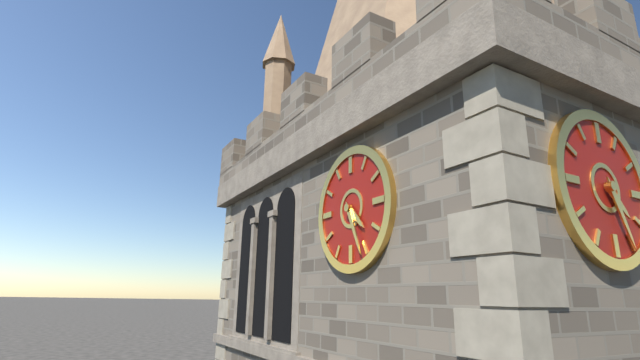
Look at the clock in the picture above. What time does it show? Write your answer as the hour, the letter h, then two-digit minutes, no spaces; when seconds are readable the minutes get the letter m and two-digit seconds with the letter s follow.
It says 4h26
